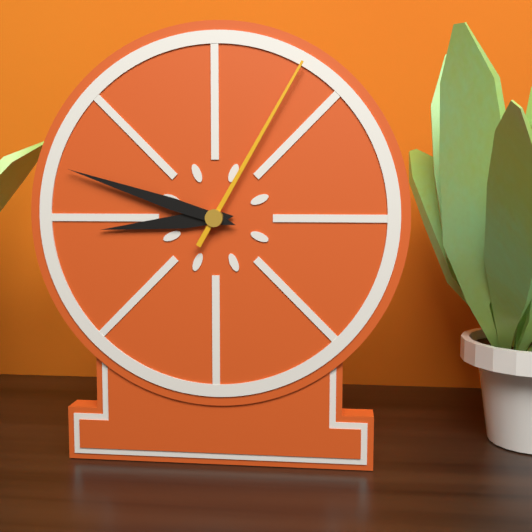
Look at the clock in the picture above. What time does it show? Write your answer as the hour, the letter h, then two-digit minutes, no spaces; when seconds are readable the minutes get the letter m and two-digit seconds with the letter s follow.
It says 8h48m05s
